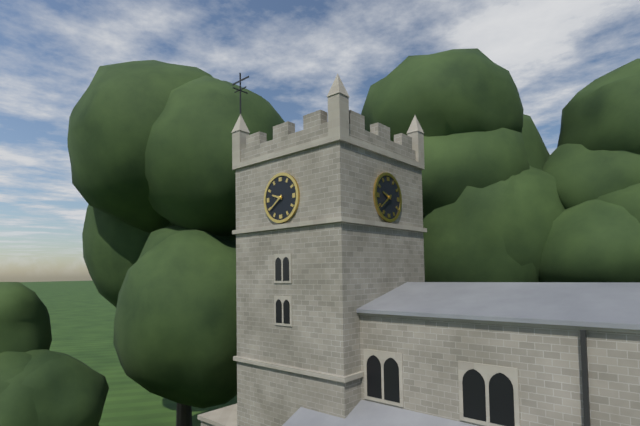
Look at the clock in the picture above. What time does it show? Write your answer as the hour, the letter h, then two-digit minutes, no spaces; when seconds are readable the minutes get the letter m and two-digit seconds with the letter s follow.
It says 9h39
